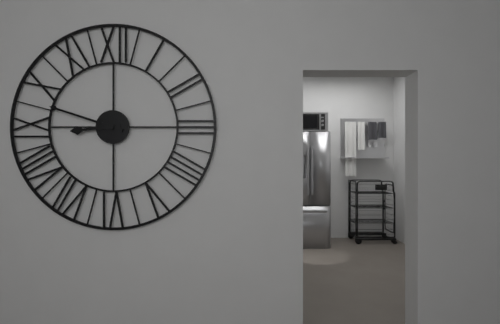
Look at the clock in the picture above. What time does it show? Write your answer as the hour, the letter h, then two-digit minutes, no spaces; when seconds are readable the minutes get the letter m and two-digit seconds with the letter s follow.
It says 8h48
